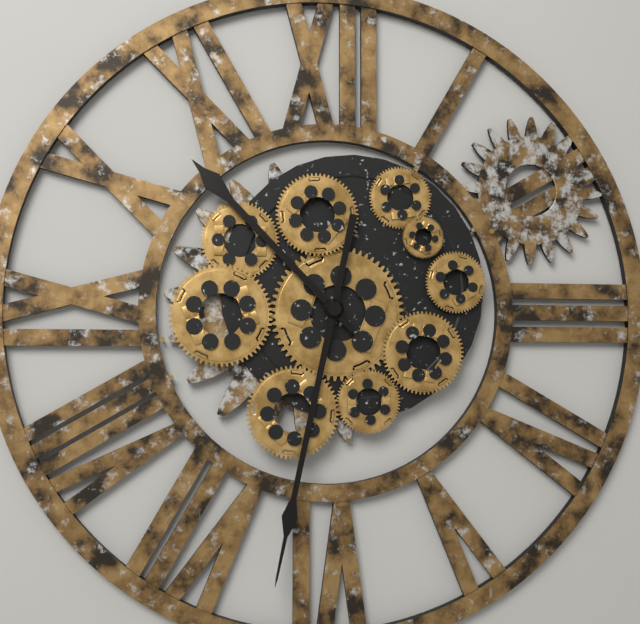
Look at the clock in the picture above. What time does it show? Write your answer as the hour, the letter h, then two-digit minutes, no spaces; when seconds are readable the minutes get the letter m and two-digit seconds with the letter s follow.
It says 10h32
